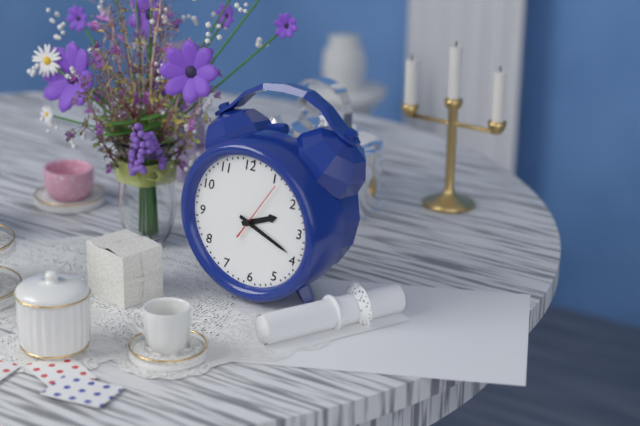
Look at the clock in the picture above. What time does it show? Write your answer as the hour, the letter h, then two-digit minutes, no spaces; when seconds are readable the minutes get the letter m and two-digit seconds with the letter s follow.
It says 2h19m06s
